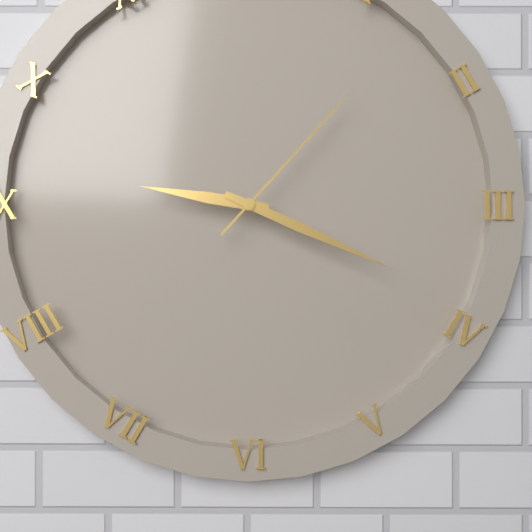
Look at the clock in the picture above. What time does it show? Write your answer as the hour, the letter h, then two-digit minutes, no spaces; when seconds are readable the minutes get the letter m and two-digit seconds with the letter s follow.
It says 9h19m07s
